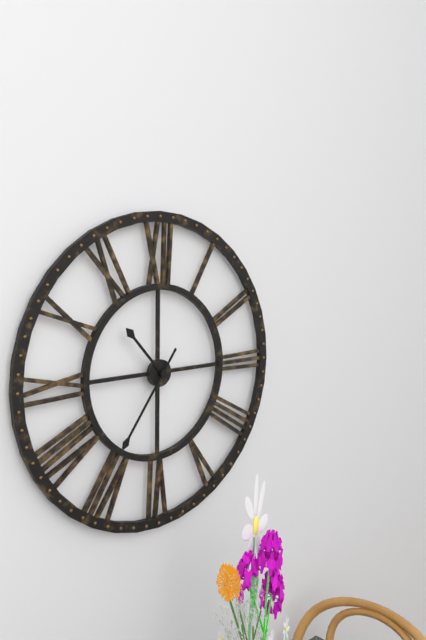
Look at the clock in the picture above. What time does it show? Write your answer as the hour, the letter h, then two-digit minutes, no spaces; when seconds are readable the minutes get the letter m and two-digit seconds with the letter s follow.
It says 10h36
